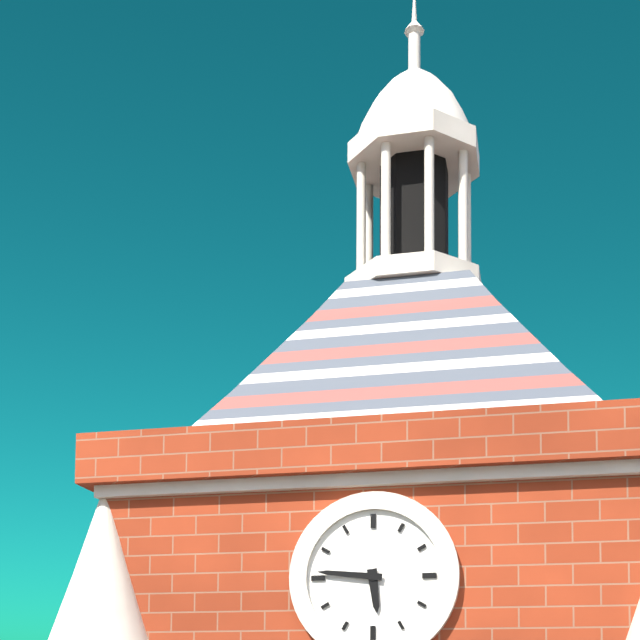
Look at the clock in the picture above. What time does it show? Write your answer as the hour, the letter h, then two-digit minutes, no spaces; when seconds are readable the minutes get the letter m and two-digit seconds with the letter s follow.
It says 5h46
